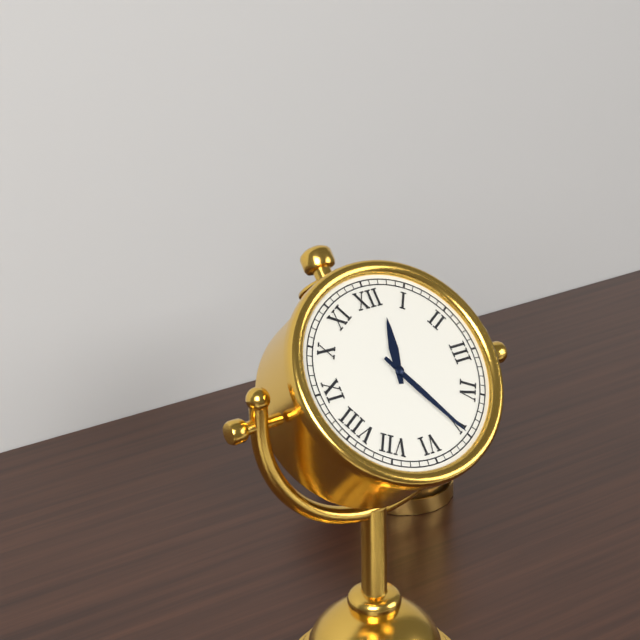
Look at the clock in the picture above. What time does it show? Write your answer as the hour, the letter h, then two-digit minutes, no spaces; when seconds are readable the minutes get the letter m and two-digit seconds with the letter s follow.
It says 12h25
